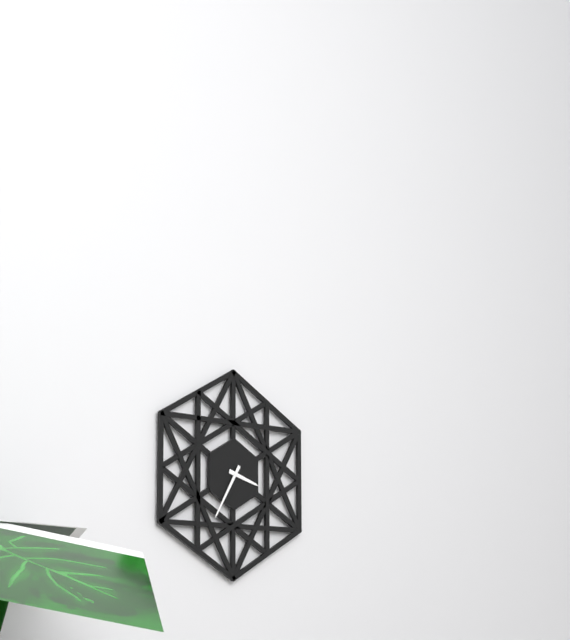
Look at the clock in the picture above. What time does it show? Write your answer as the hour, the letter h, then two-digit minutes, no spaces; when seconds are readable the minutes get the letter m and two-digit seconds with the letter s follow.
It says 3h35
